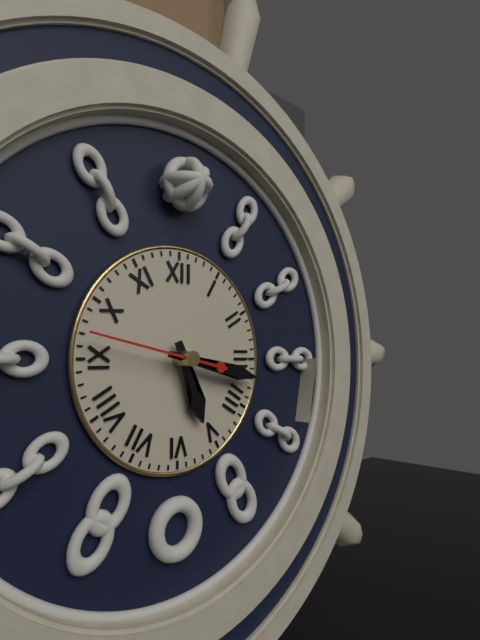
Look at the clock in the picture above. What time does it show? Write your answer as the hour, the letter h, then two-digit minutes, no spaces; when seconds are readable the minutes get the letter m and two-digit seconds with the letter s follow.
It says 5h17m47s
